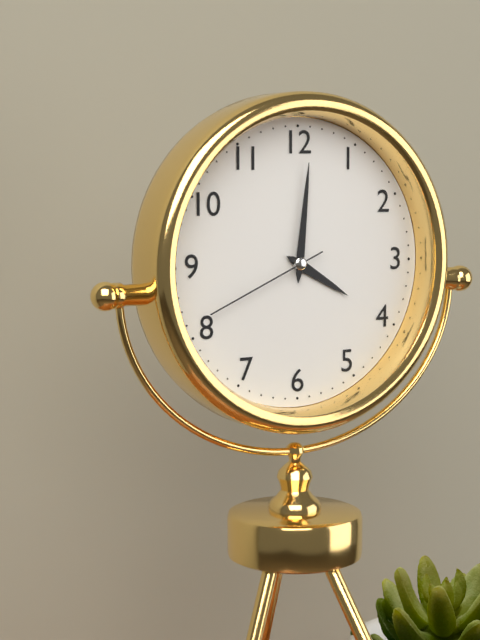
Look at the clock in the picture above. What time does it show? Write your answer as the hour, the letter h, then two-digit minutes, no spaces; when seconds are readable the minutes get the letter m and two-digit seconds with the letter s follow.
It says 4h01m41s
